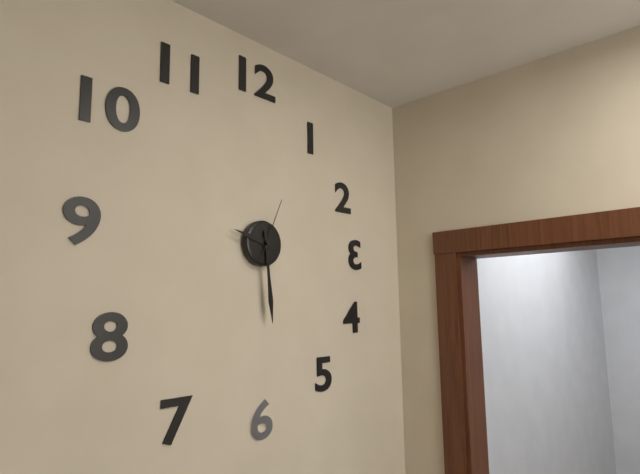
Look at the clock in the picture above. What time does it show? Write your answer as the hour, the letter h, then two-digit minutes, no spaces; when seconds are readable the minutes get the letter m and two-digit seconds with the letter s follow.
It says 9h29m04s
